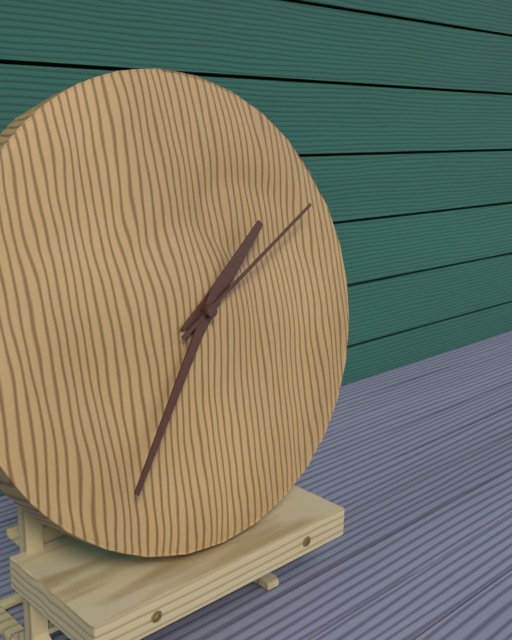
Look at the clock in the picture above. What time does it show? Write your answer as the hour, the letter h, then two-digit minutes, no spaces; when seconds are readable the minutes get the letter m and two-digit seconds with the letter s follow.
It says 1h36m10s
